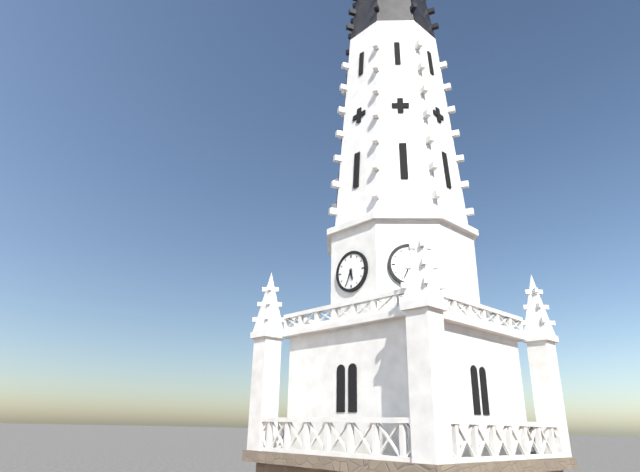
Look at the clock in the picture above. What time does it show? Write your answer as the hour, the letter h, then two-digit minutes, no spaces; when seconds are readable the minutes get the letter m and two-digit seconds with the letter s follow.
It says 5h34
